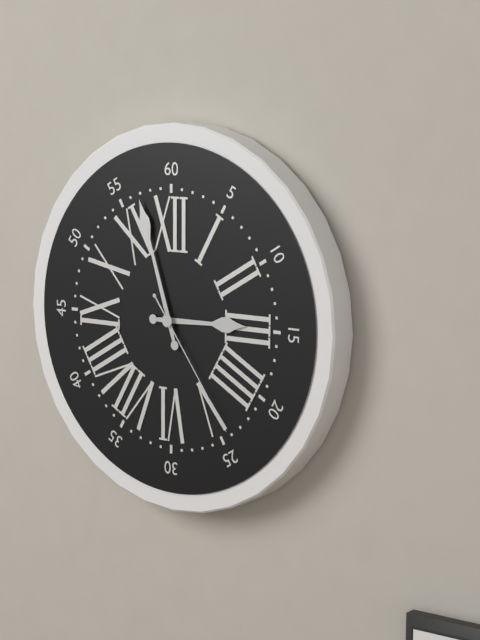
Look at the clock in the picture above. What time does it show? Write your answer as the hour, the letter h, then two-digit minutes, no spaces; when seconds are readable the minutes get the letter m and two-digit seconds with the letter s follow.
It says 2h57m24s
